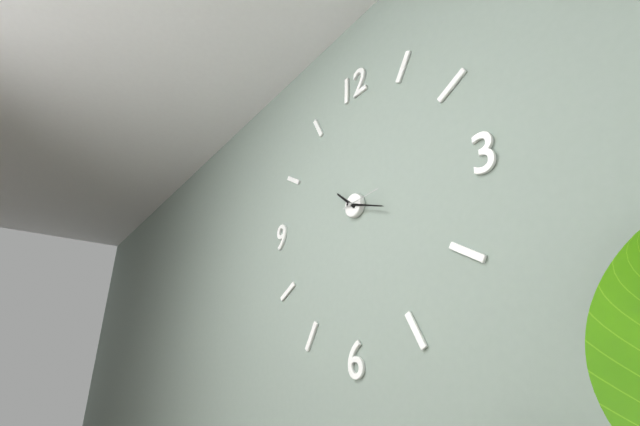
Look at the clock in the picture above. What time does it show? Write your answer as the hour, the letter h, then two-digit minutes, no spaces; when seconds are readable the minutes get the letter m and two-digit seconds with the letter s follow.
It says 10h18
